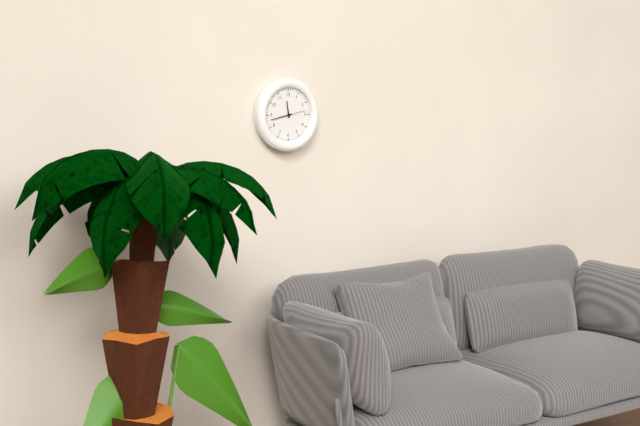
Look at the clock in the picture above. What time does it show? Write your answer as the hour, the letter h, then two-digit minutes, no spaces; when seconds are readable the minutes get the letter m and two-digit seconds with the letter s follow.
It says 11h43
